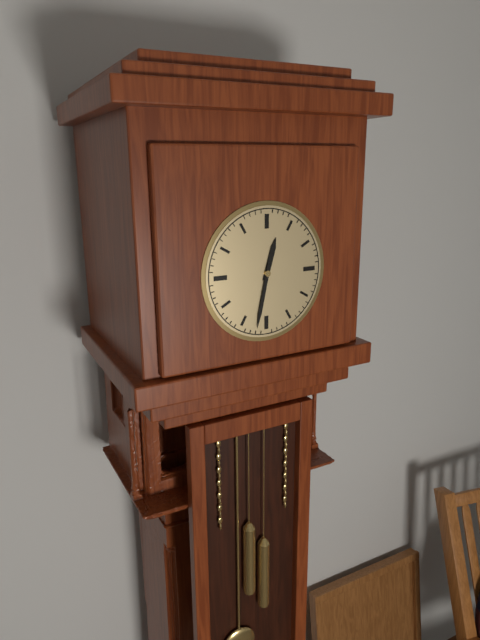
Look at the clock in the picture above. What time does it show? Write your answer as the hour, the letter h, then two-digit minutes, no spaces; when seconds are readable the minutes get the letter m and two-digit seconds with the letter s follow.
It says 12h32
